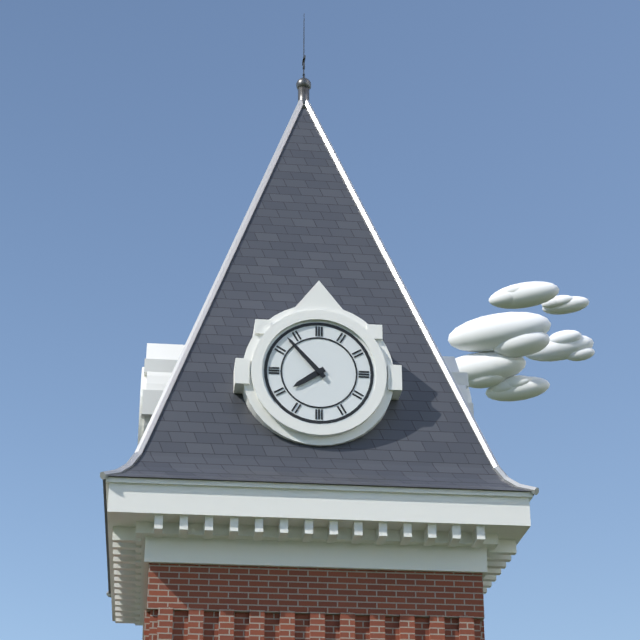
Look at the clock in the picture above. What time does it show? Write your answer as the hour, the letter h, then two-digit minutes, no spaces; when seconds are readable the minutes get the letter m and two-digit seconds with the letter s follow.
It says 7h53
